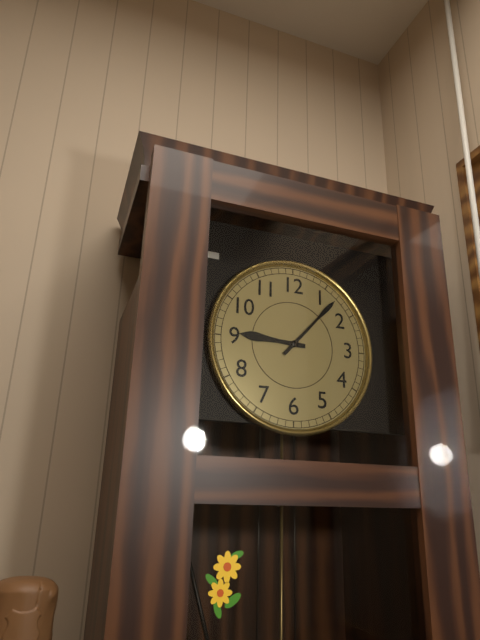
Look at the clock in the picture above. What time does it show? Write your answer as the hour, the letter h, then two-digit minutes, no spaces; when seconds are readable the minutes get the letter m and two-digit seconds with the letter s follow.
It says 9h07
